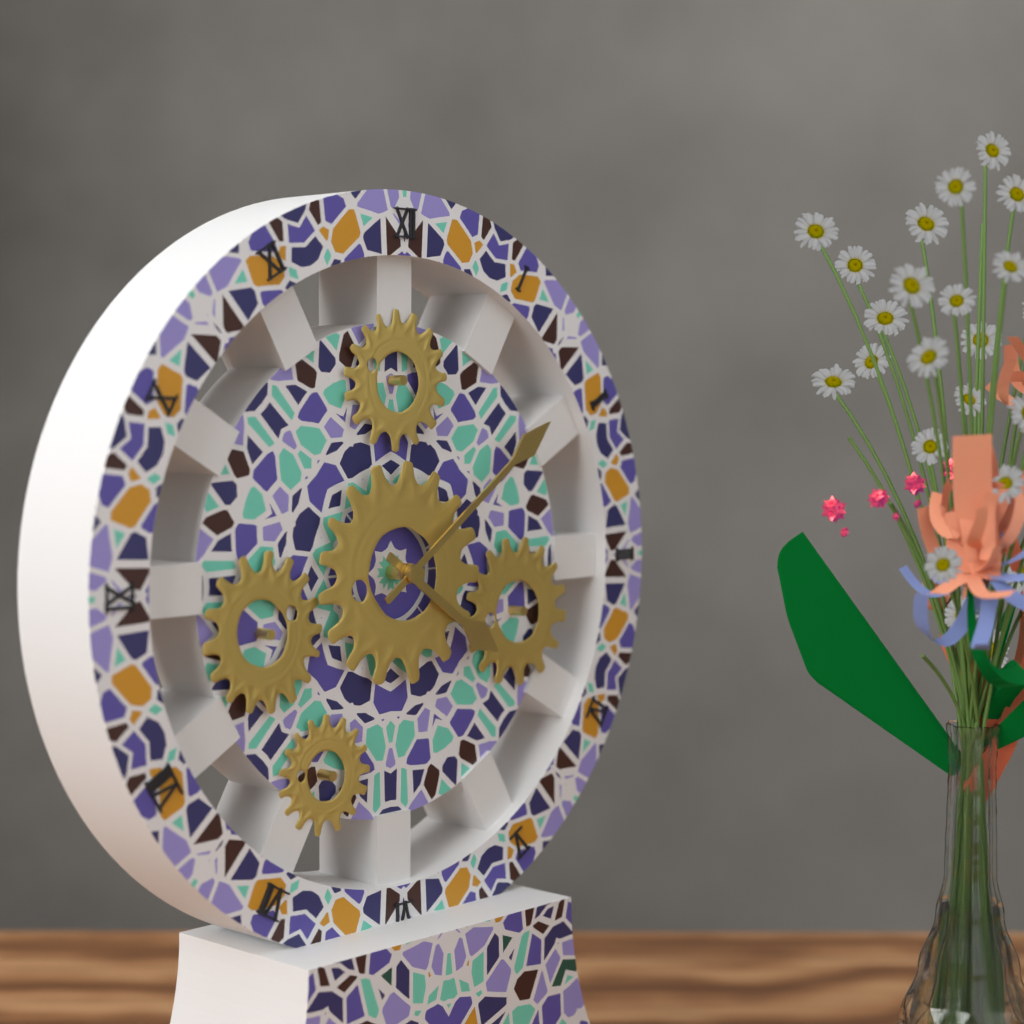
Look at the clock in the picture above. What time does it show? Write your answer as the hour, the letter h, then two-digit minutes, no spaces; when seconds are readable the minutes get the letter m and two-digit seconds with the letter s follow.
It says 4h09
